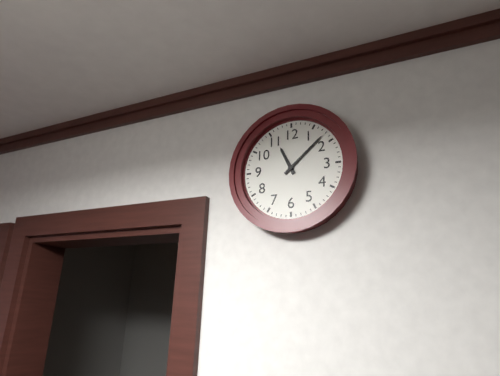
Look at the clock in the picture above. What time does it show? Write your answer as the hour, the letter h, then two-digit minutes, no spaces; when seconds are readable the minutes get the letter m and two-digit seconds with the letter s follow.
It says 11h08
